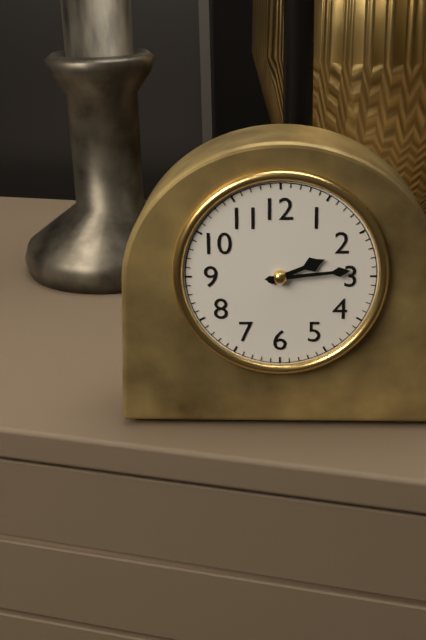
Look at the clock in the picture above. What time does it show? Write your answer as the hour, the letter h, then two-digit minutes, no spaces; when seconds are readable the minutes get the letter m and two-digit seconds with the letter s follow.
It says 2h14
